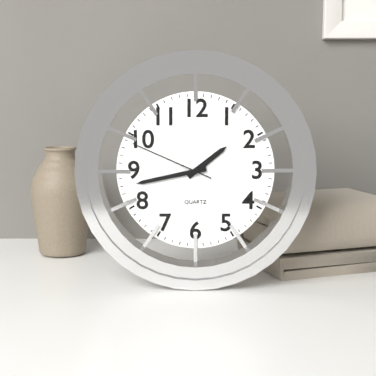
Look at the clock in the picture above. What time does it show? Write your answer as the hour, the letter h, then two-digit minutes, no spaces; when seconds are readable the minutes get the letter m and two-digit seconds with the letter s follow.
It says 1h43m49s
